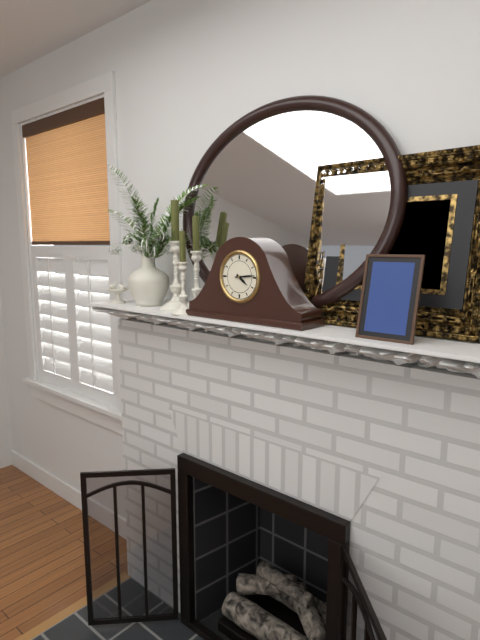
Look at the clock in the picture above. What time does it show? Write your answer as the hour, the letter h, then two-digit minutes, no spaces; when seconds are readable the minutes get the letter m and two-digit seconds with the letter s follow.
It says 4h14
